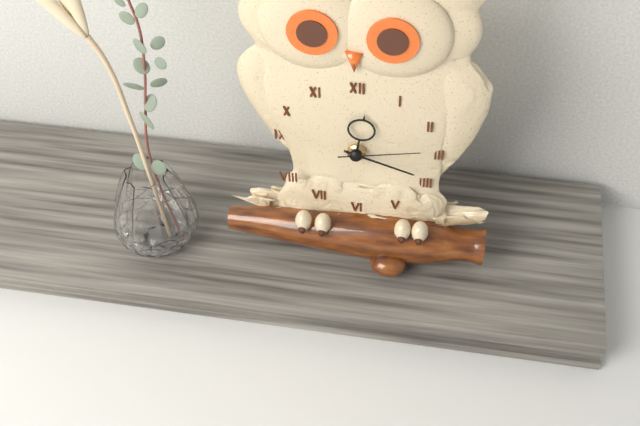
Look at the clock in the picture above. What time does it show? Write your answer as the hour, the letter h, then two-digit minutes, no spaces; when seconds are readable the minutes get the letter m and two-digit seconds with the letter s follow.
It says 12h18m13s
